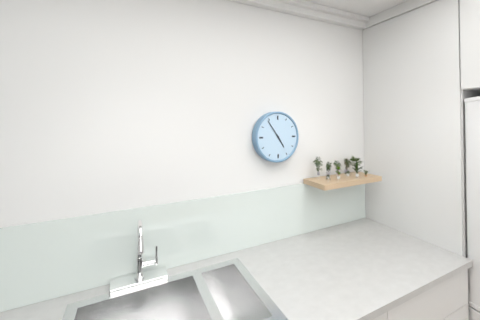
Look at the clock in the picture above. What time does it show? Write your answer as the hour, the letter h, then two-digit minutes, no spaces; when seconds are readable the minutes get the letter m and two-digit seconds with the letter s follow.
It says 4h54
